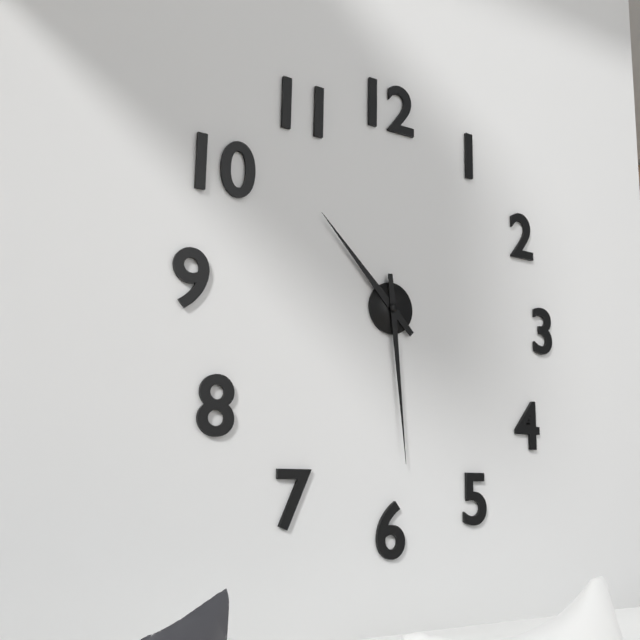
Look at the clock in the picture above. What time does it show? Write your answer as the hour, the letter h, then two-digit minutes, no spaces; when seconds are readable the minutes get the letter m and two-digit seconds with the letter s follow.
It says 10h29
